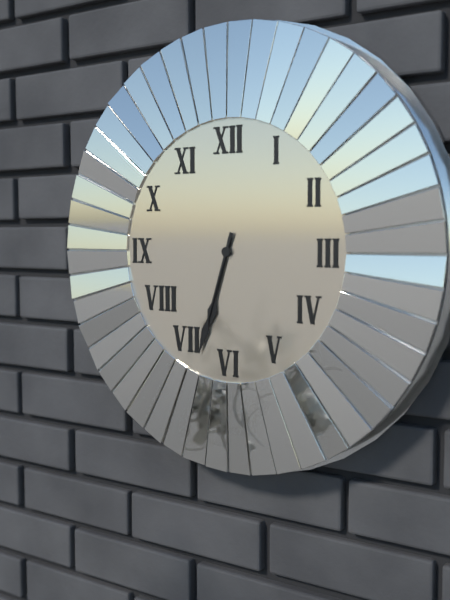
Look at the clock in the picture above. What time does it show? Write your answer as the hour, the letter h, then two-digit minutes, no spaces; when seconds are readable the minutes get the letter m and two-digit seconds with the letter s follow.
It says 6h33
